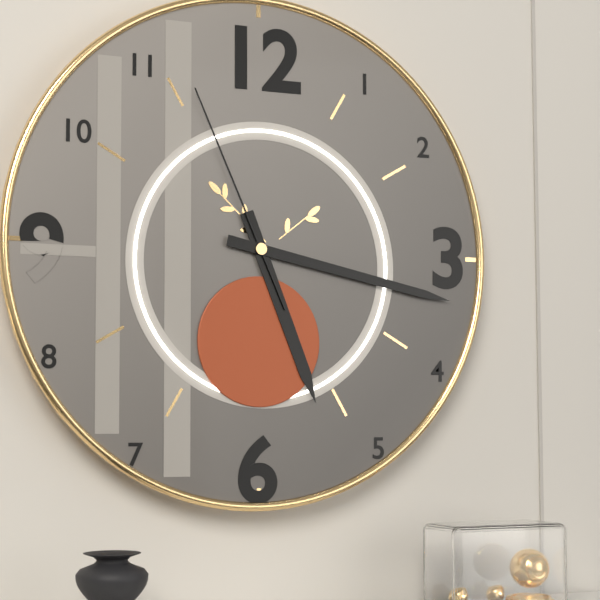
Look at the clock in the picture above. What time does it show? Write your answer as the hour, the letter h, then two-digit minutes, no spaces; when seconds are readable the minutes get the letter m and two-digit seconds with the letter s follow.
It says 5h17m56s
